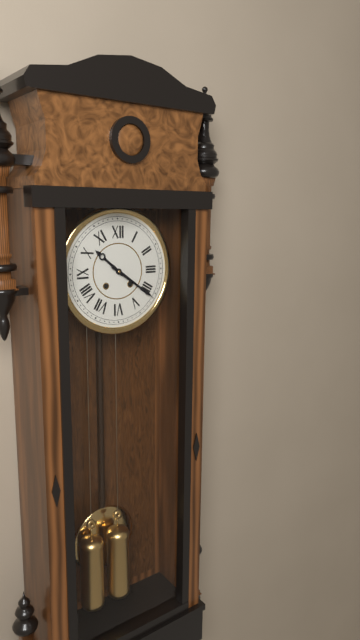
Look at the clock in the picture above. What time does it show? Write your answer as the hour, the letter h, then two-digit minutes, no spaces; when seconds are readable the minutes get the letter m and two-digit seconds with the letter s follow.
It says 10h21
